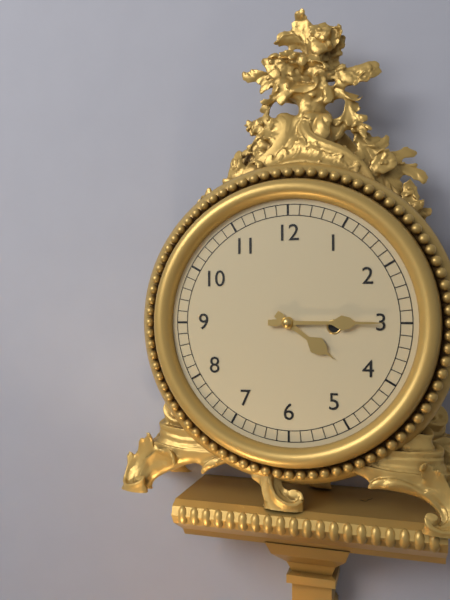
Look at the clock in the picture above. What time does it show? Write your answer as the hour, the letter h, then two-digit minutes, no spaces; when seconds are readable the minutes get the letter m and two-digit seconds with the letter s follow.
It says 4h15
